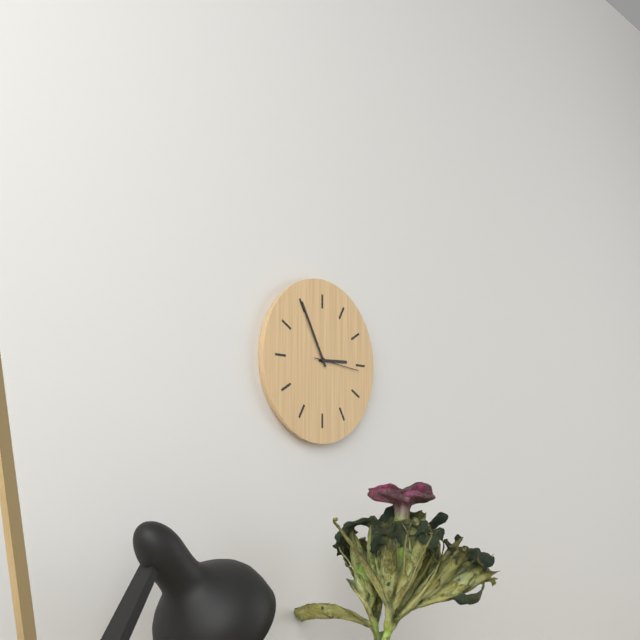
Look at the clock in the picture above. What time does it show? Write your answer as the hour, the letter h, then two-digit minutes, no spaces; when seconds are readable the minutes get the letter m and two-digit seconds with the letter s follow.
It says 2h55
